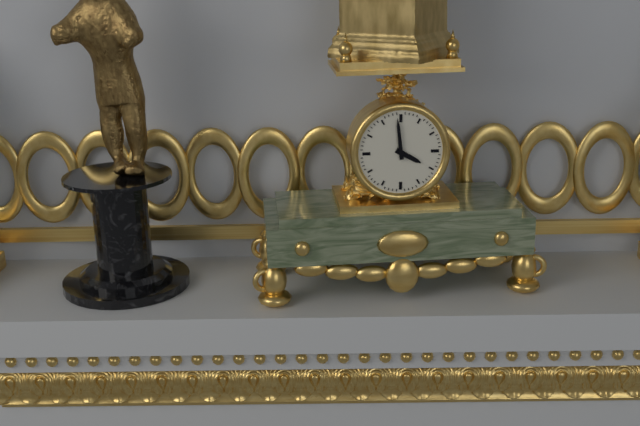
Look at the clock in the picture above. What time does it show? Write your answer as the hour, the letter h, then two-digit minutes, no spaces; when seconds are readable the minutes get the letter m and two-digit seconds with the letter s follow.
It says 3h59
